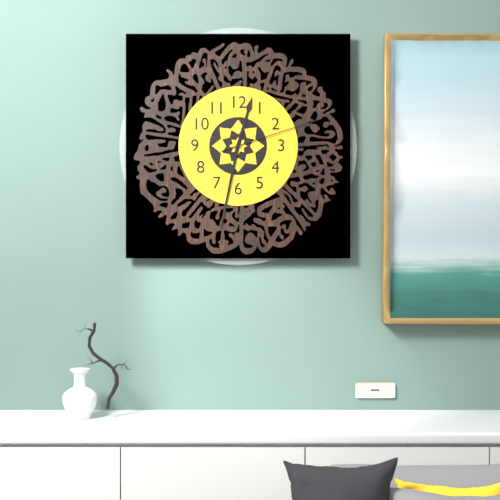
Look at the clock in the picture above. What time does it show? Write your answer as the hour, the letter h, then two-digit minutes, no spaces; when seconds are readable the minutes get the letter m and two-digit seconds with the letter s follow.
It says 12h32m12s
